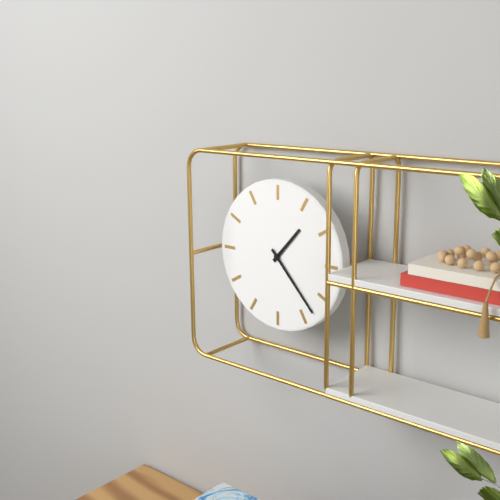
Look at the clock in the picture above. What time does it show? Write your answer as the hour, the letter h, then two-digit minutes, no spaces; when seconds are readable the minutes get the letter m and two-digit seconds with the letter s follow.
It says 1h23
